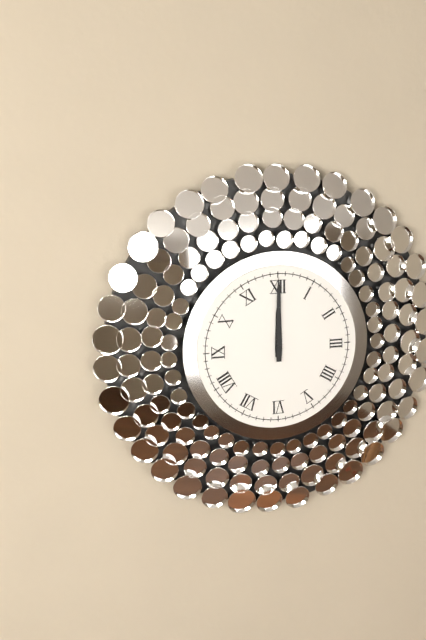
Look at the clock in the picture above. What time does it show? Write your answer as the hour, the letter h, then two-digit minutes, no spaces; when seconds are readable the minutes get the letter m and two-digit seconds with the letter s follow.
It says 12h00
